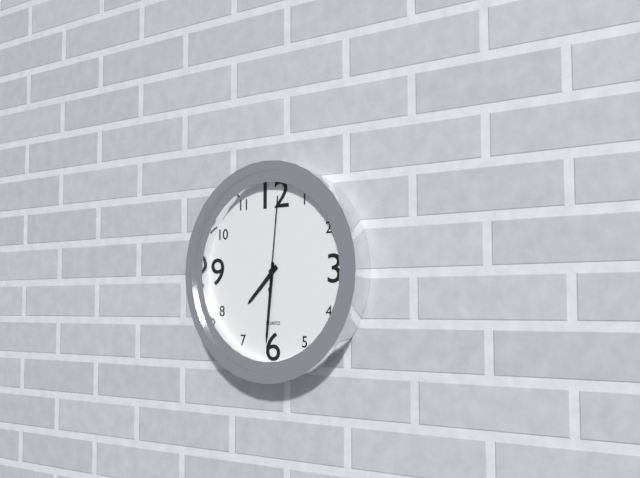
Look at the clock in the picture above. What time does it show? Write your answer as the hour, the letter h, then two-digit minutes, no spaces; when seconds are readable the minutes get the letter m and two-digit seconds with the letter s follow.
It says 7h31m01s
